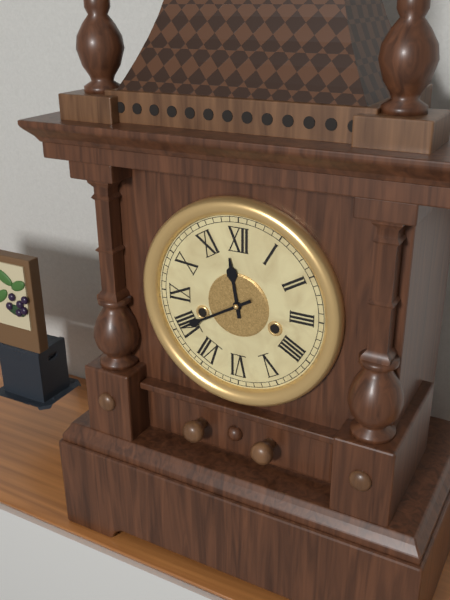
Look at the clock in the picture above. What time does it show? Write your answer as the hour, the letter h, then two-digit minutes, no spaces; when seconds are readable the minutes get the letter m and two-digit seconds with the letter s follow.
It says 11h40
